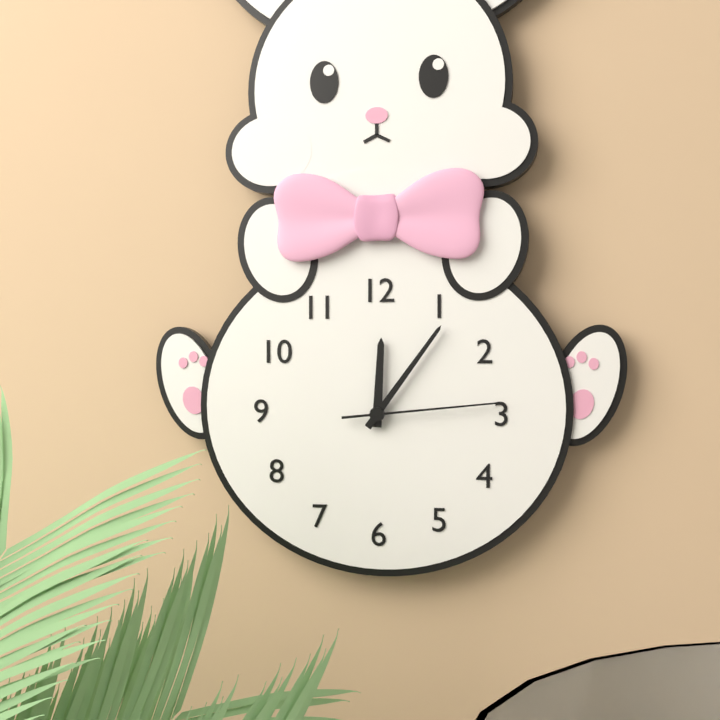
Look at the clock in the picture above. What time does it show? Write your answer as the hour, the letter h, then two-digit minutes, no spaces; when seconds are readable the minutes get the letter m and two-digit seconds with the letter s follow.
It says 12h06m14s
